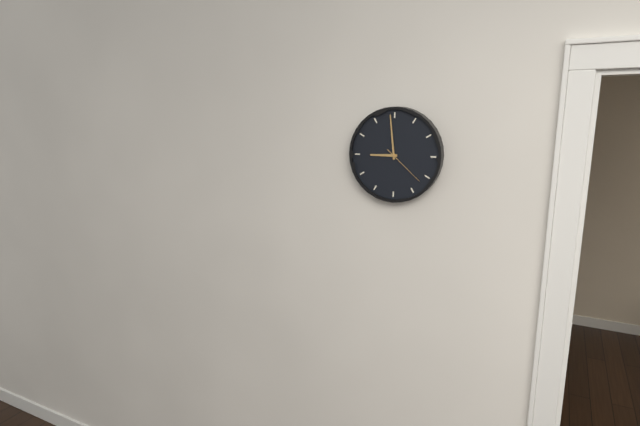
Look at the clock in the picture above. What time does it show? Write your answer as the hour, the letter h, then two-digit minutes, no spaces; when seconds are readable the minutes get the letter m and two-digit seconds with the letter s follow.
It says 8h59
